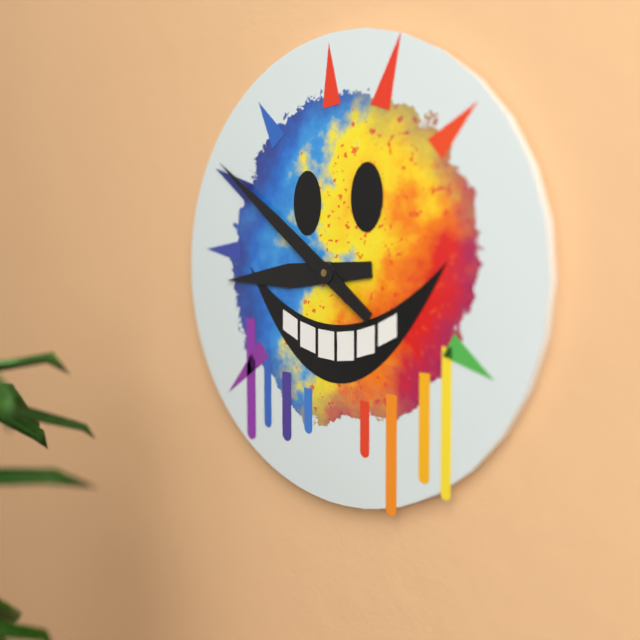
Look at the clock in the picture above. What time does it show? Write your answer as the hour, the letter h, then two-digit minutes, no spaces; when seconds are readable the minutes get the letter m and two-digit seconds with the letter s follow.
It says 8h51
